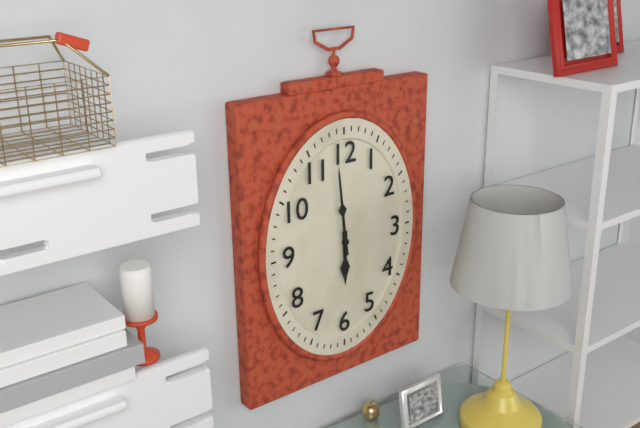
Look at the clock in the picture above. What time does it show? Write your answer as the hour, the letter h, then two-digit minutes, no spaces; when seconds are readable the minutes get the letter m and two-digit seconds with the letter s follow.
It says 5h59
